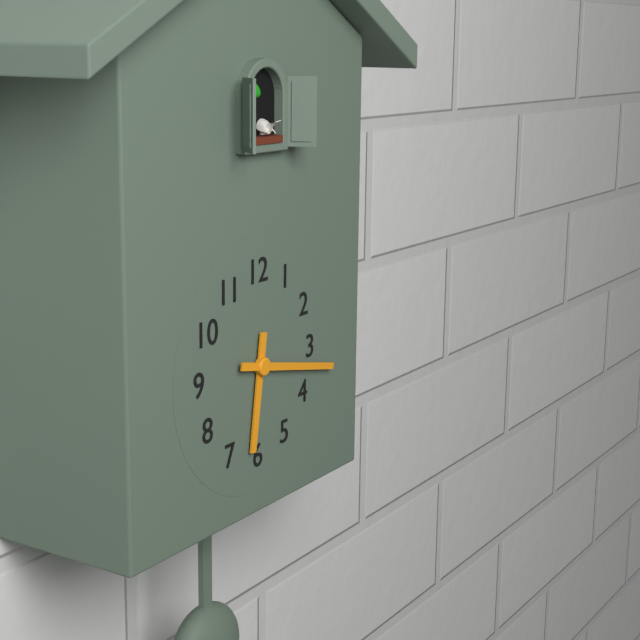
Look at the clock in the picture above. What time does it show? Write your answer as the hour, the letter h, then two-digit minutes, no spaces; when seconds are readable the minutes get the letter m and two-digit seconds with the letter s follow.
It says 6h17
